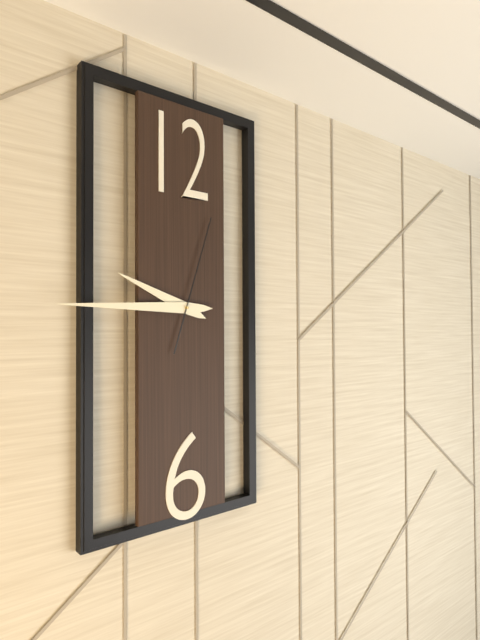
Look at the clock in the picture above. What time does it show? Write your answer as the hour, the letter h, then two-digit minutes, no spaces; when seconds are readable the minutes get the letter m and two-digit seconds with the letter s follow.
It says 9h45m03s
